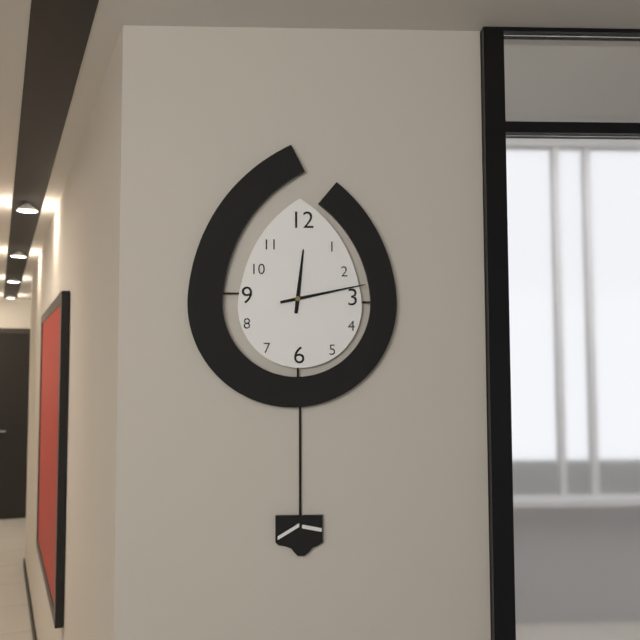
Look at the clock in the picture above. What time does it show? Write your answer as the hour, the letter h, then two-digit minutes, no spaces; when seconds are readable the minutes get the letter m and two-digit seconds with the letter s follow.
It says 12h13
